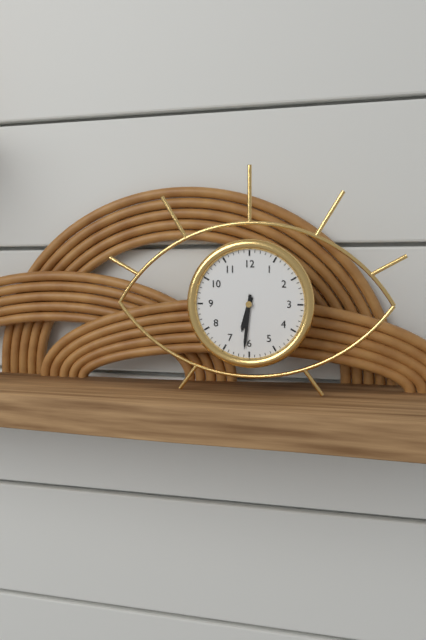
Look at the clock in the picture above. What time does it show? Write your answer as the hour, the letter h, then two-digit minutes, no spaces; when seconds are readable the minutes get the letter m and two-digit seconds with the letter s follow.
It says 6h31
